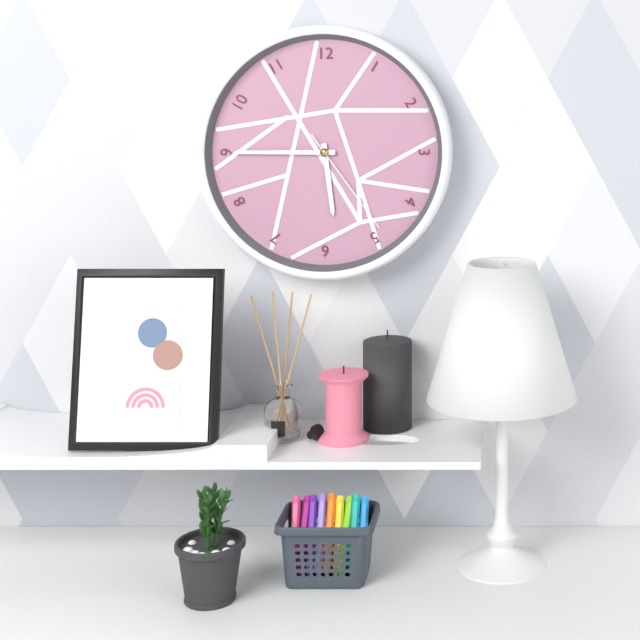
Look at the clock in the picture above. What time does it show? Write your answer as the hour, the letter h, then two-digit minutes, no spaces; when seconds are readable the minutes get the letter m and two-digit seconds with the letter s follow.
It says 5h45m24s
